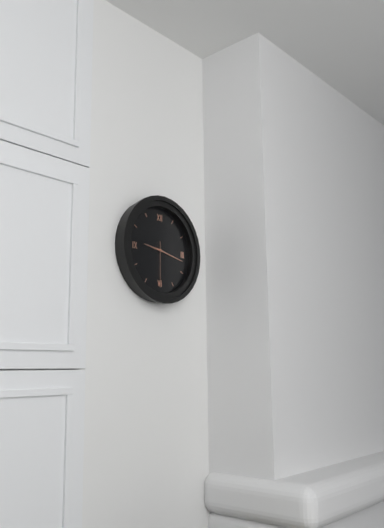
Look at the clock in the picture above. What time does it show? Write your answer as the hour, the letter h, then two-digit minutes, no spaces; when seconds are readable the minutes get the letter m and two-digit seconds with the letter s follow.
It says 9h17
